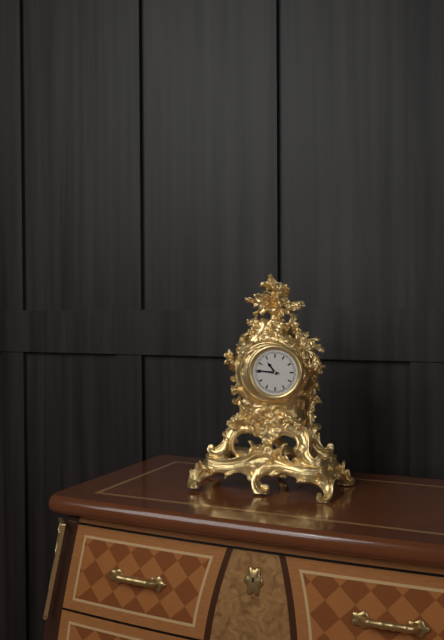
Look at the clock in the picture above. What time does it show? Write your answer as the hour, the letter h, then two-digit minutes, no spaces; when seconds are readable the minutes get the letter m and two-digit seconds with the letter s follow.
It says 10h46
